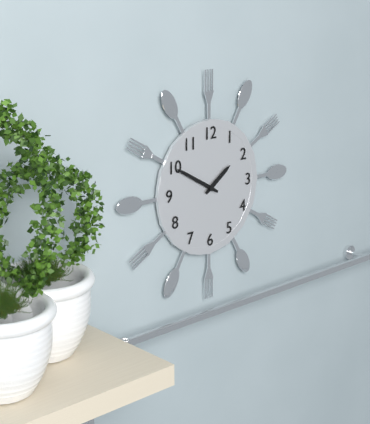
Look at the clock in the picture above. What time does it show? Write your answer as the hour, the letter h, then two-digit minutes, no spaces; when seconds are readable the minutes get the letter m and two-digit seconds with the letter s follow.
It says 1h50
